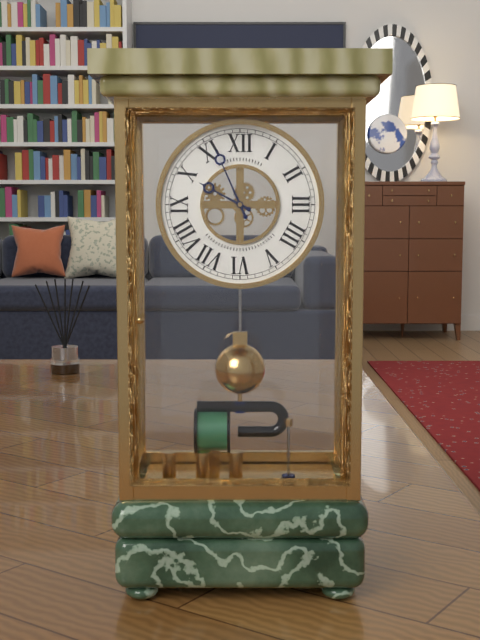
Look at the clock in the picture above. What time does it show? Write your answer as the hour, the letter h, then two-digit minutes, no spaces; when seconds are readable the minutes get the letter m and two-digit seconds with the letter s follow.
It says 9h56
